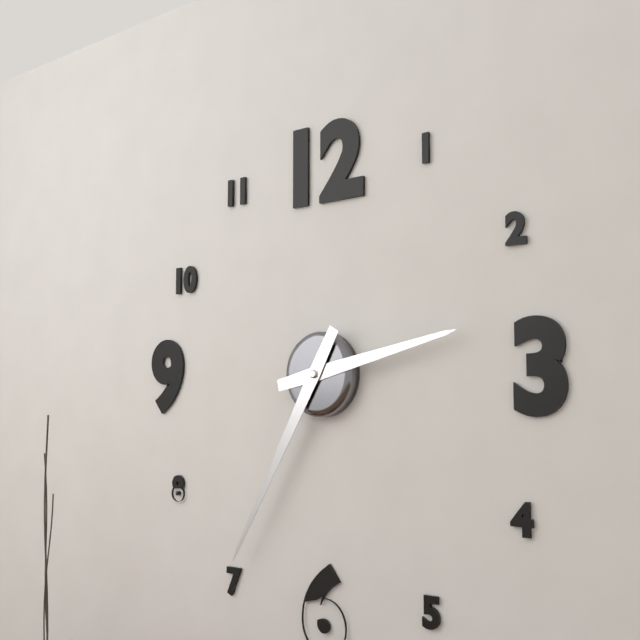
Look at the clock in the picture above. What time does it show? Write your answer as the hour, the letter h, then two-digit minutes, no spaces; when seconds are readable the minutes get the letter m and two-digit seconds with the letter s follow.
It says 2h35
